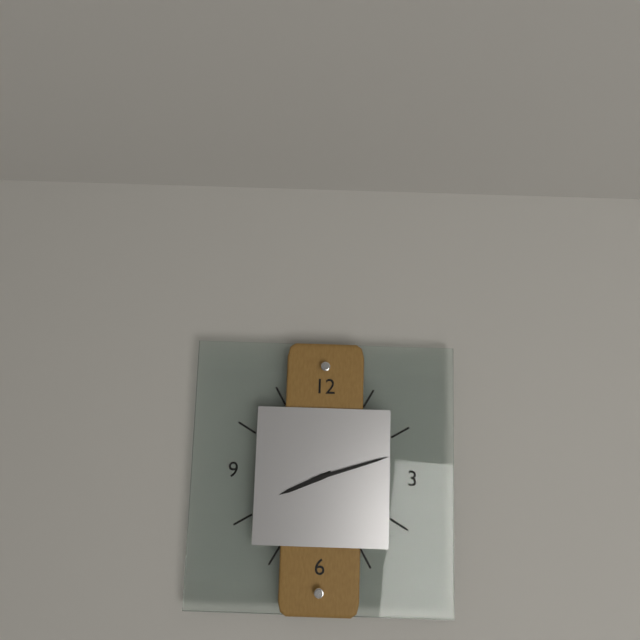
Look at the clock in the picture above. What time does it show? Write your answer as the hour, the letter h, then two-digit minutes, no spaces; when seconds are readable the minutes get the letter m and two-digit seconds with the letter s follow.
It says 8h12
